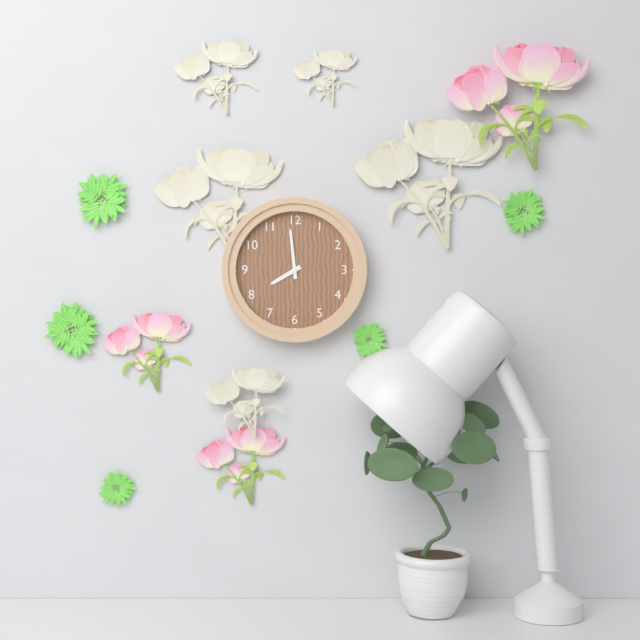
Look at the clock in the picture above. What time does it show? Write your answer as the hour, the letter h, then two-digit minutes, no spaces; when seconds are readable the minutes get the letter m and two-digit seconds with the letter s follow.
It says 7h59
